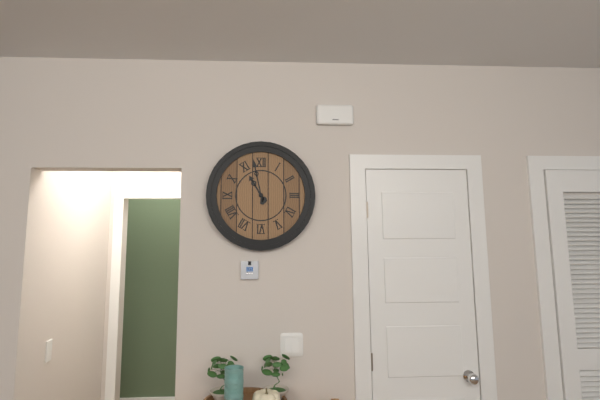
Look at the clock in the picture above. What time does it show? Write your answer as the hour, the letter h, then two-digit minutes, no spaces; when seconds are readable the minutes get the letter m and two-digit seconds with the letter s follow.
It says 10h58
